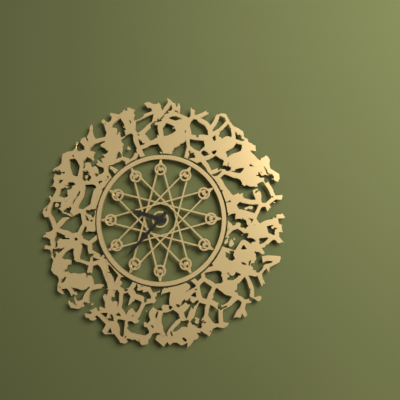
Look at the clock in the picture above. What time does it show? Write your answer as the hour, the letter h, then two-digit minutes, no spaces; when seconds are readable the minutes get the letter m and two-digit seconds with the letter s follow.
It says 9h37
